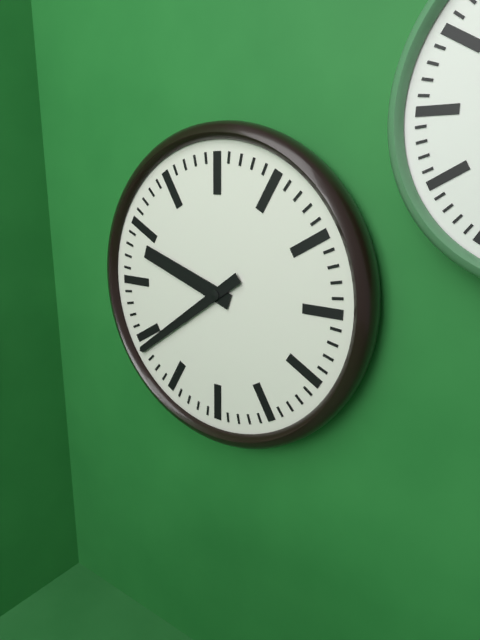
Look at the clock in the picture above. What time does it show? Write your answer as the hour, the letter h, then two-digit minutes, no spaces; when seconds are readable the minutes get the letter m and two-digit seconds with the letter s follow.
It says 9h39
